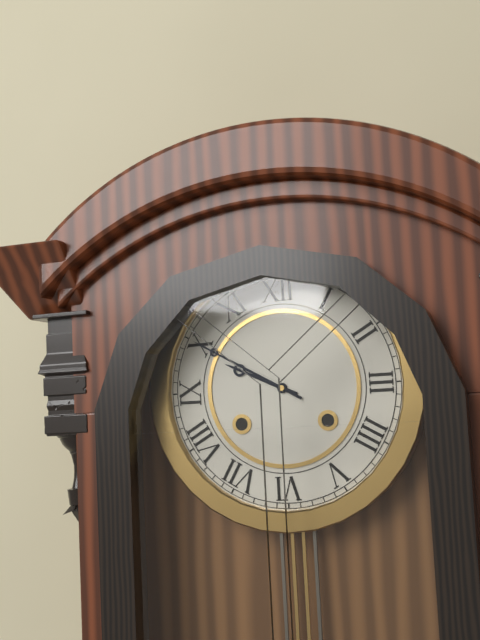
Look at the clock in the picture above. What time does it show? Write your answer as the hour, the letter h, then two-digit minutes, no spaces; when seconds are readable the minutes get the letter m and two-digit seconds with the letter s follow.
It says 9h50
